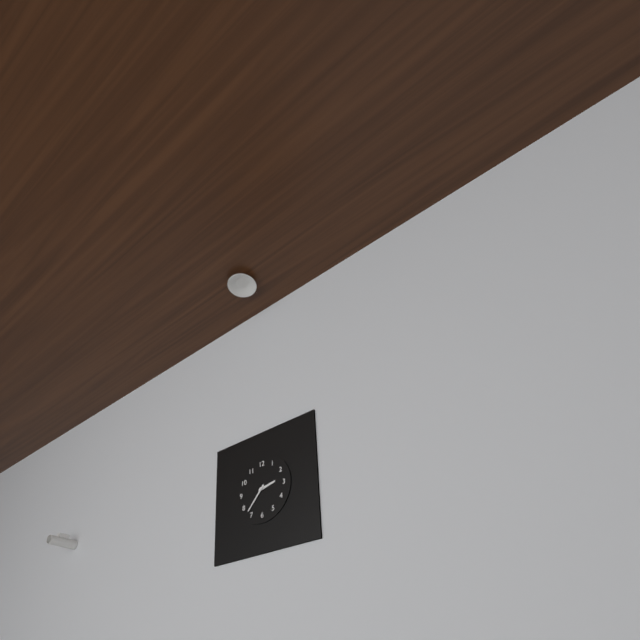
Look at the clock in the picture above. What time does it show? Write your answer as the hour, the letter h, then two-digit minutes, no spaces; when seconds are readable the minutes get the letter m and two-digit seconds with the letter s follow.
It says 2h37
